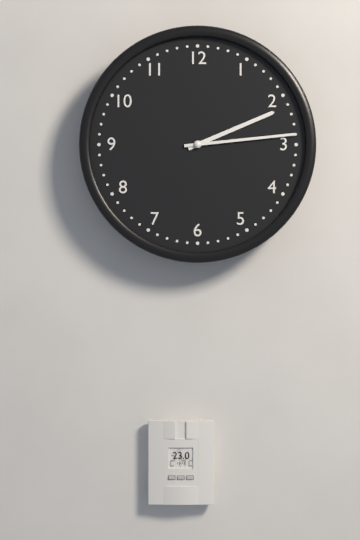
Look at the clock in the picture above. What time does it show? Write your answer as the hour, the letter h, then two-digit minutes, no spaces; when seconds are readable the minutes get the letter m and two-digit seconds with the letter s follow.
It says 2h14
